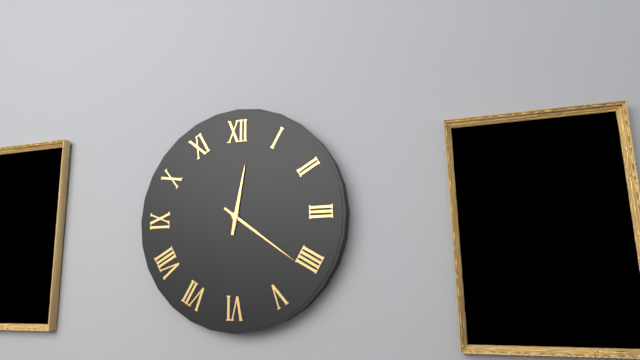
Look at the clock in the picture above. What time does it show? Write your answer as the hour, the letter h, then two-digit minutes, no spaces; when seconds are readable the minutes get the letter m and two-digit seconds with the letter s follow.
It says 12h21
